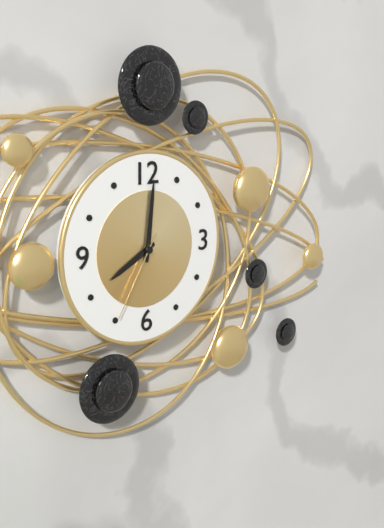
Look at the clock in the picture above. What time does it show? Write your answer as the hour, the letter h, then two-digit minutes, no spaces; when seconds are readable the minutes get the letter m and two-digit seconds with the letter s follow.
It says 8h01m35s
